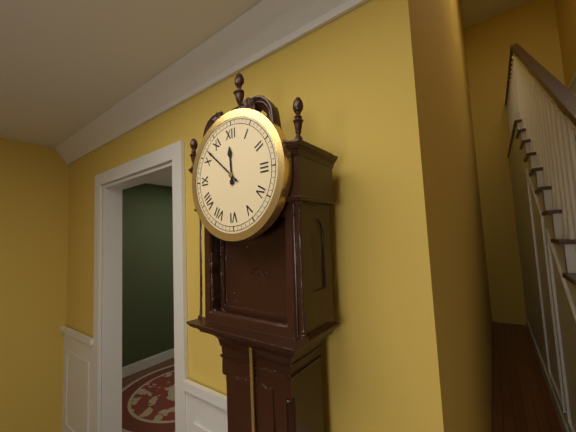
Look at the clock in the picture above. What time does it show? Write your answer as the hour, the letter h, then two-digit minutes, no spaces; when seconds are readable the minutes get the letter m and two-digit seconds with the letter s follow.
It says 11h52
